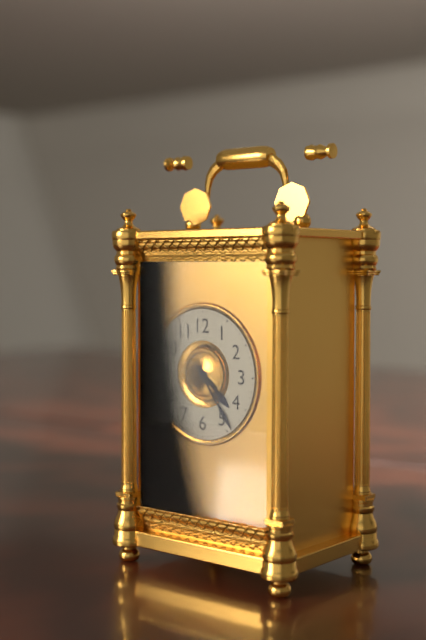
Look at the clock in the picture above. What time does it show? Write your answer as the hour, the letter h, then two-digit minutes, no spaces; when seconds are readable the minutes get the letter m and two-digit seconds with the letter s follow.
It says 4h24
